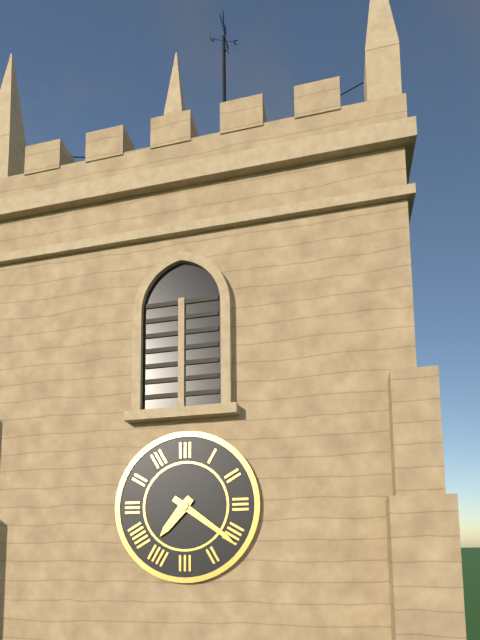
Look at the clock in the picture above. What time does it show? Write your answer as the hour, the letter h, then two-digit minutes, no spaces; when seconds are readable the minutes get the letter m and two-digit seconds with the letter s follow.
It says 7h21
